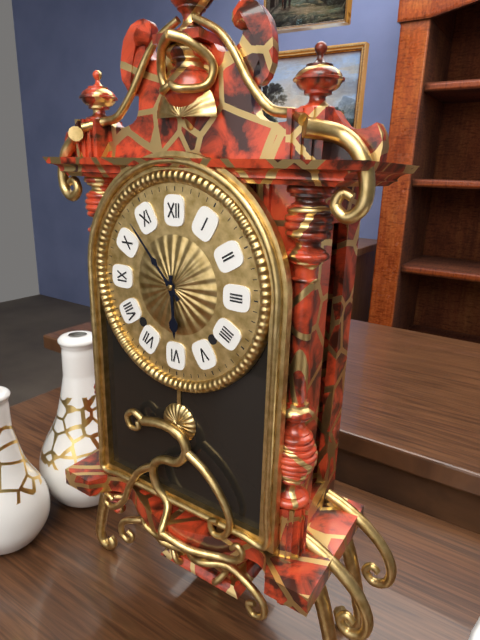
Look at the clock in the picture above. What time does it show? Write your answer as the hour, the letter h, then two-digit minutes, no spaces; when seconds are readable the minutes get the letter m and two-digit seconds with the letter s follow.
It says 5h53
